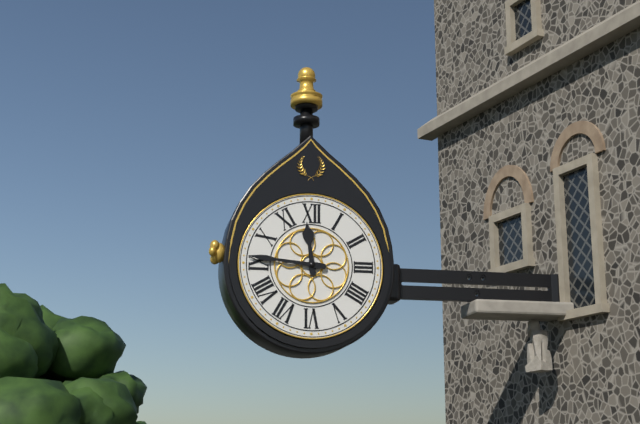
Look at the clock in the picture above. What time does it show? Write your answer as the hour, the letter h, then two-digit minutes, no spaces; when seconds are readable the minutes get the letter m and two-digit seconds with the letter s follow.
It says 11h46
